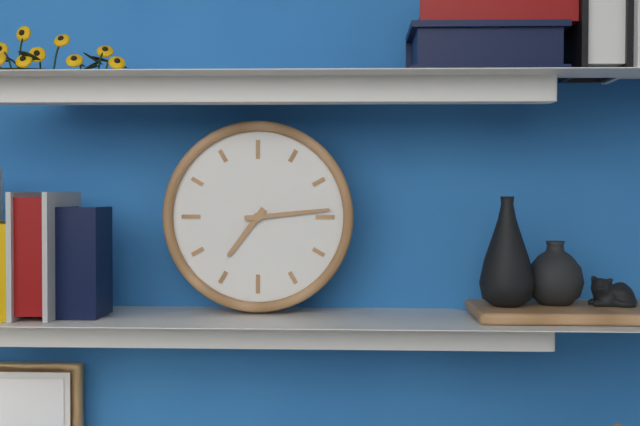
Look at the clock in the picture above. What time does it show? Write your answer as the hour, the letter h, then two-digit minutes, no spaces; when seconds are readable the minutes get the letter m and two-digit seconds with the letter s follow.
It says 7h14
